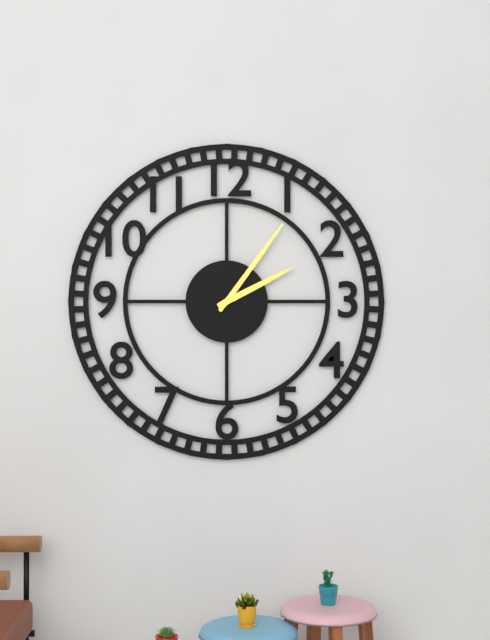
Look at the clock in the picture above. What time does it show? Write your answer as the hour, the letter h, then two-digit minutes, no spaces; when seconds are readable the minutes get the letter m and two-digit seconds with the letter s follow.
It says 2h06
